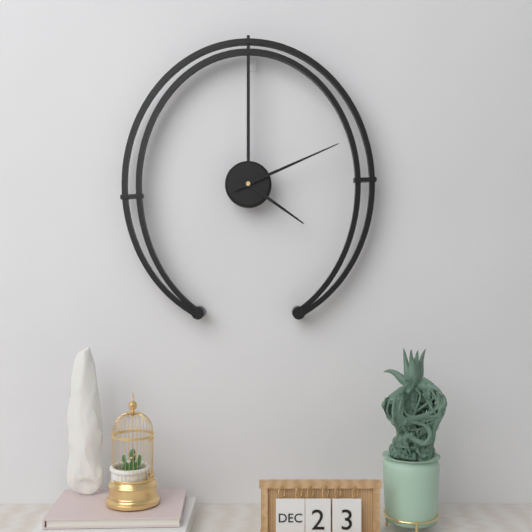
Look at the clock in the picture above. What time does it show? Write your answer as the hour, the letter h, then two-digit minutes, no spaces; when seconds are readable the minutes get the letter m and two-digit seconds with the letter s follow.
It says 4h11
